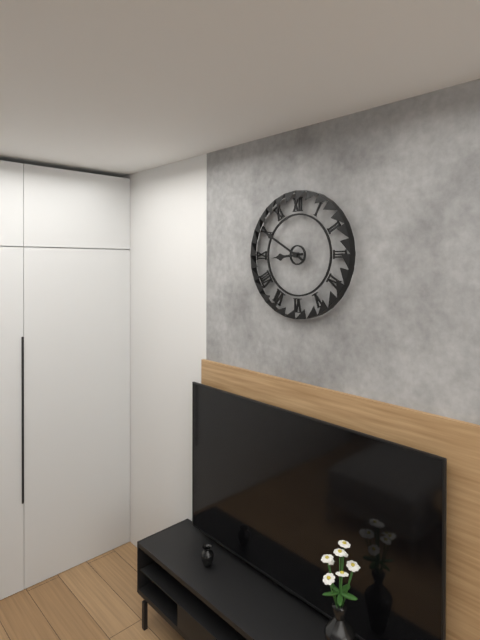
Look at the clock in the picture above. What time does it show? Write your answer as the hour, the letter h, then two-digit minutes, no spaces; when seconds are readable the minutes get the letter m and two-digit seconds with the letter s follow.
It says 8h50
